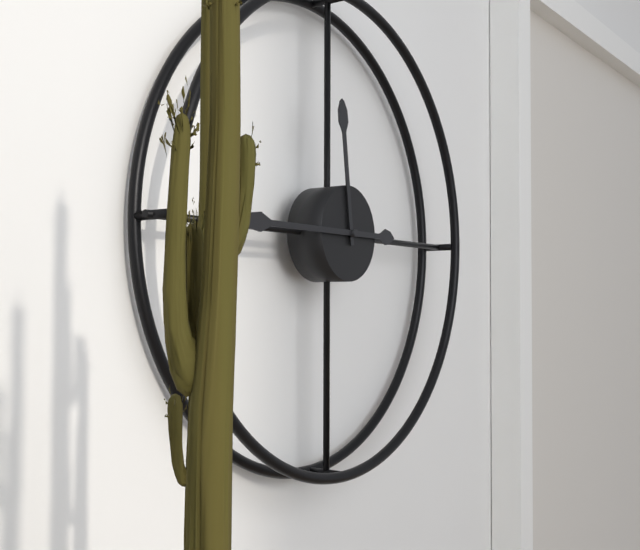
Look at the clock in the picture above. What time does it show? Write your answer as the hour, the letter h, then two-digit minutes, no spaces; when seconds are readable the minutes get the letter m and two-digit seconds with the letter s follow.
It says 11h45
